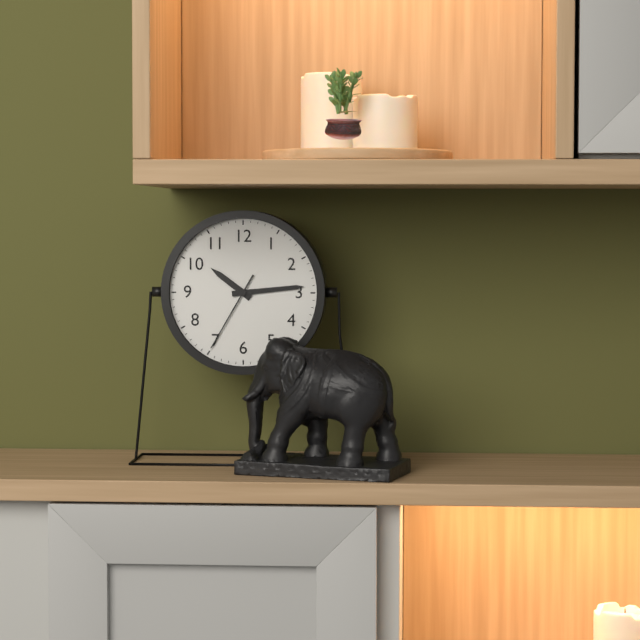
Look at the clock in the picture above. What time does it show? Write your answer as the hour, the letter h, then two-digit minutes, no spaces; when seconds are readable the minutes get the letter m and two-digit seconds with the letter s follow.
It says 10h14m35s
